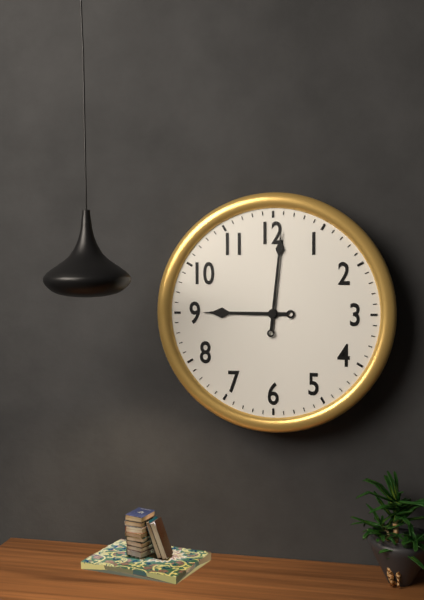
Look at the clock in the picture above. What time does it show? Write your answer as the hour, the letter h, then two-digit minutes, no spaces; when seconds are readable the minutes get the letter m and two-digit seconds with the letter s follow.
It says 9h01
